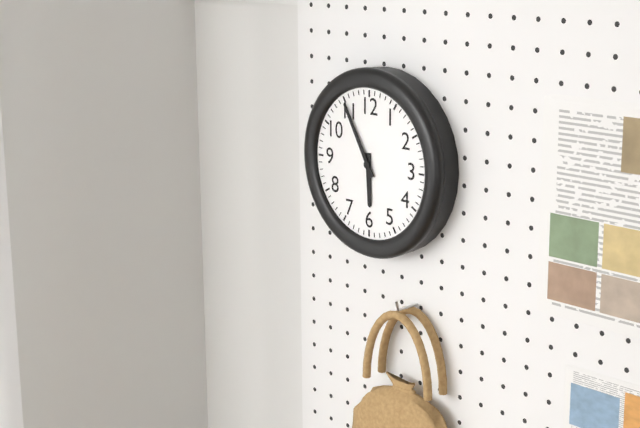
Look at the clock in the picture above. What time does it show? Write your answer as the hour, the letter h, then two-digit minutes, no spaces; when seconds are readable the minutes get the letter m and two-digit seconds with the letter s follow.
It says 5h55
